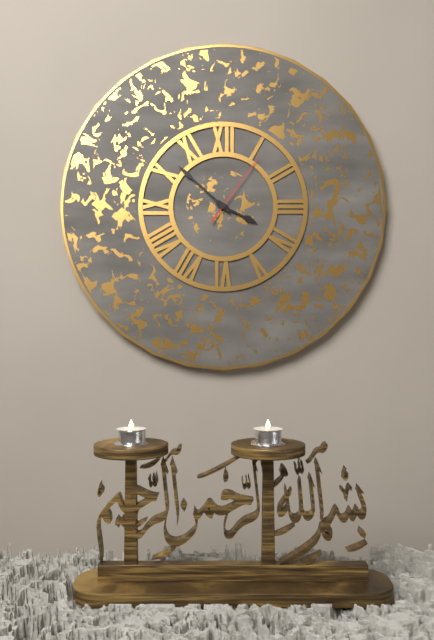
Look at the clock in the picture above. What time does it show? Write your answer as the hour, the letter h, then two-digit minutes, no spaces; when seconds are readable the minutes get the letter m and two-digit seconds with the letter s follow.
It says 3h52m06s
